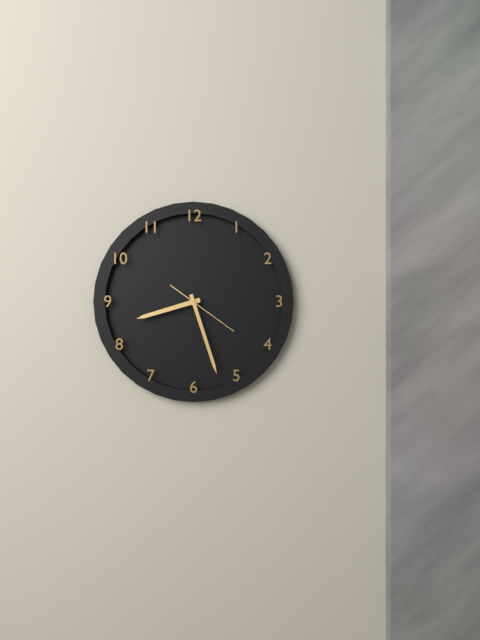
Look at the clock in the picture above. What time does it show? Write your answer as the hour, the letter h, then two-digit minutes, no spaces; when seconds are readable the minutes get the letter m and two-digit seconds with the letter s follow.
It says 8h27m21s
